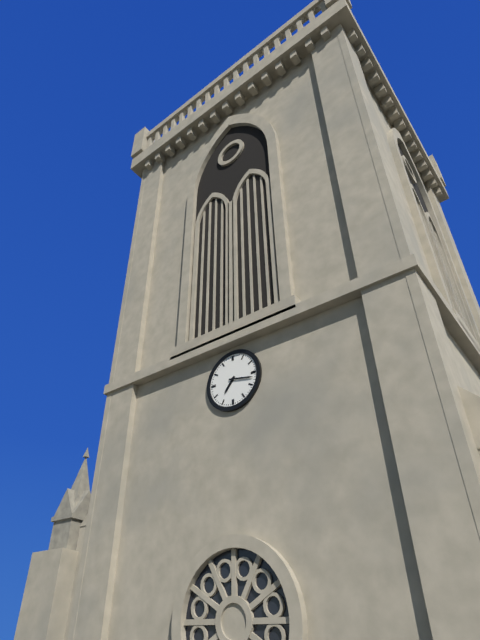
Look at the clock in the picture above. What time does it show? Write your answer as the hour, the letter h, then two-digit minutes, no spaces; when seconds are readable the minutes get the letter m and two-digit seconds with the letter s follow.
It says 7h17
